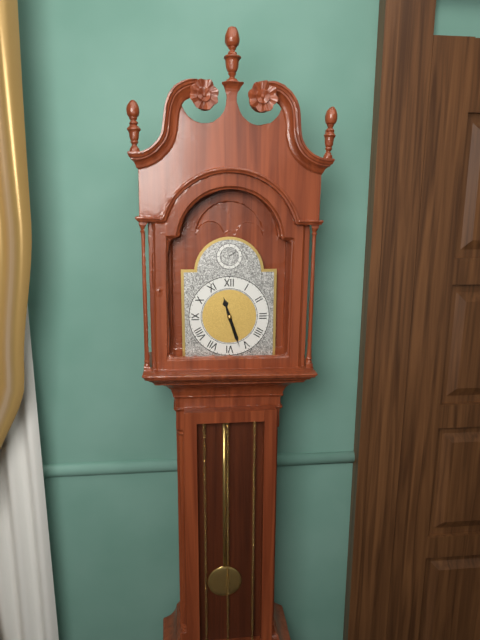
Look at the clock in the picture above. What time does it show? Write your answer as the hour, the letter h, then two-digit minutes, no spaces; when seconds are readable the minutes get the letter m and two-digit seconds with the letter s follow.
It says 11h27
